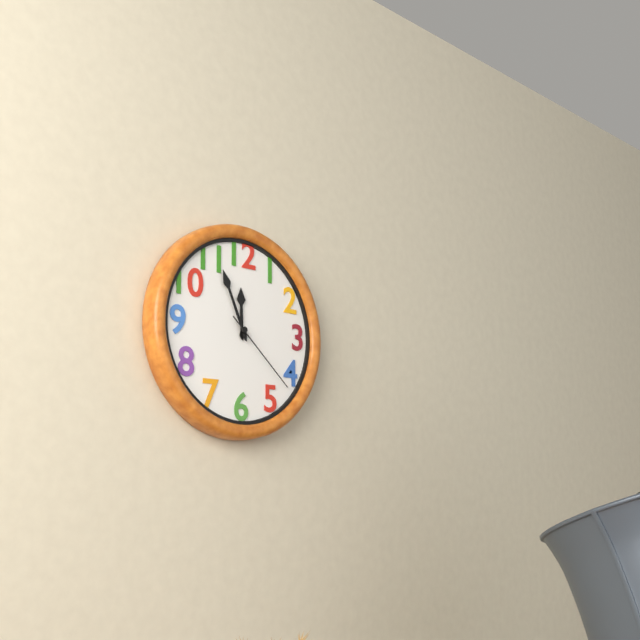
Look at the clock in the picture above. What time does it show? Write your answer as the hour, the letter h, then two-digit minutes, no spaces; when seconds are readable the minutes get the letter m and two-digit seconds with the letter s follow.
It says 11h56m22s
